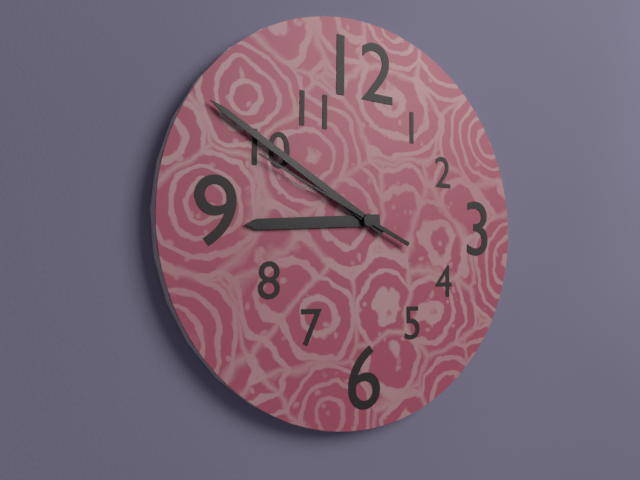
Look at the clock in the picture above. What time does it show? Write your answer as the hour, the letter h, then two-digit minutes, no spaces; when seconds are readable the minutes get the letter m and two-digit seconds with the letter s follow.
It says 8h50m49s
